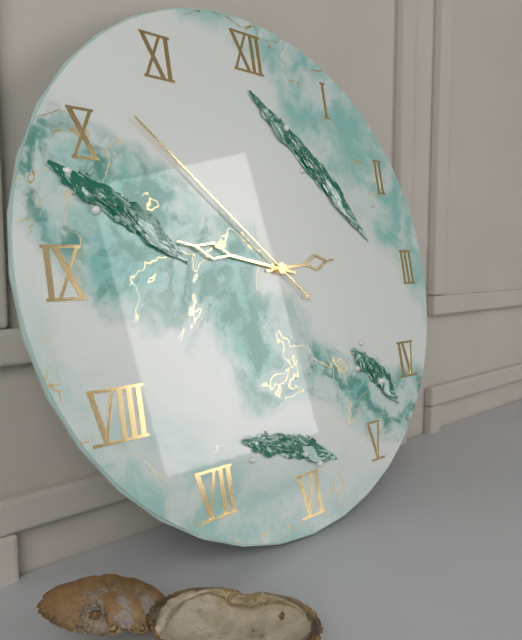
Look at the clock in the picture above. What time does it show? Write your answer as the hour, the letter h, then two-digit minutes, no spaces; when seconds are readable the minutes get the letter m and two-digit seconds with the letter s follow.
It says 2h47m52s
